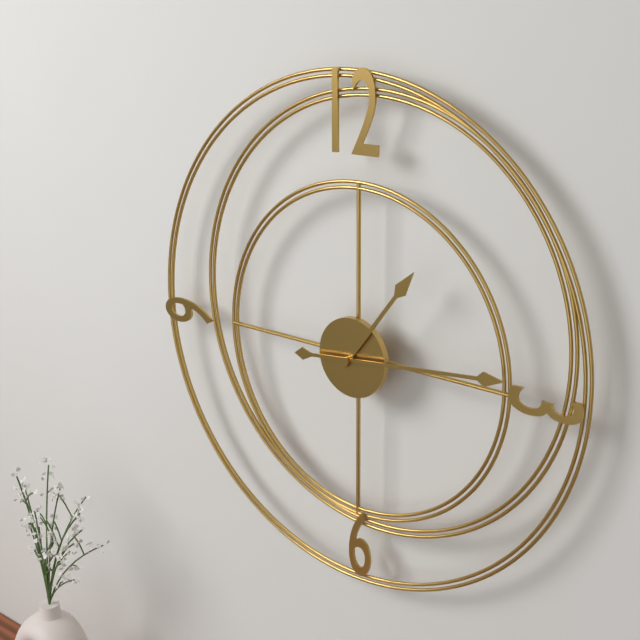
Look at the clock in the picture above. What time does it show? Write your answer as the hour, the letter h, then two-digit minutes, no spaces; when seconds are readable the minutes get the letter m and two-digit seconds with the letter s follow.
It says 1h14
